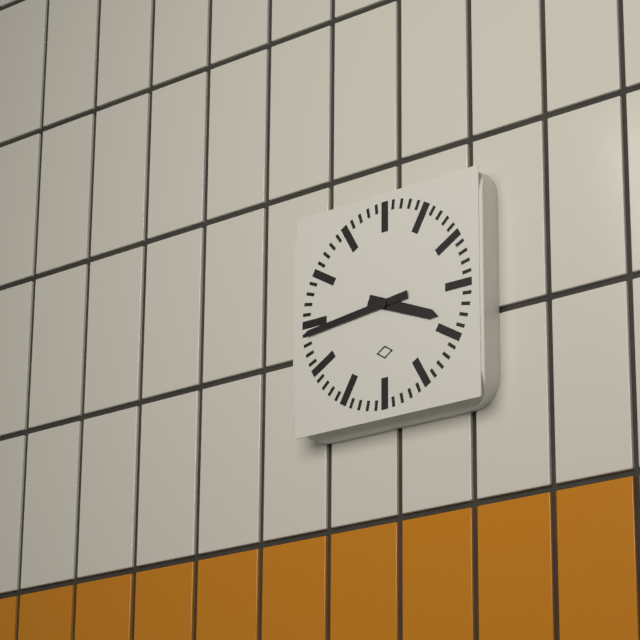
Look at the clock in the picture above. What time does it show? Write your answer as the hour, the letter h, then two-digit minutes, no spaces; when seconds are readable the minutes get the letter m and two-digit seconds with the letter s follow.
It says 3h44
